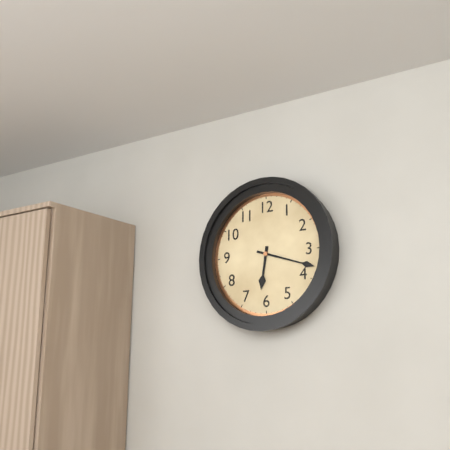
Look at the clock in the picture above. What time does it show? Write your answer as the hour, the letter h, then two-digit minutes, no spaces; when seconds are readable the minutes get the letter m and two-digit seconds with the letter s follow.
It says 6h18
